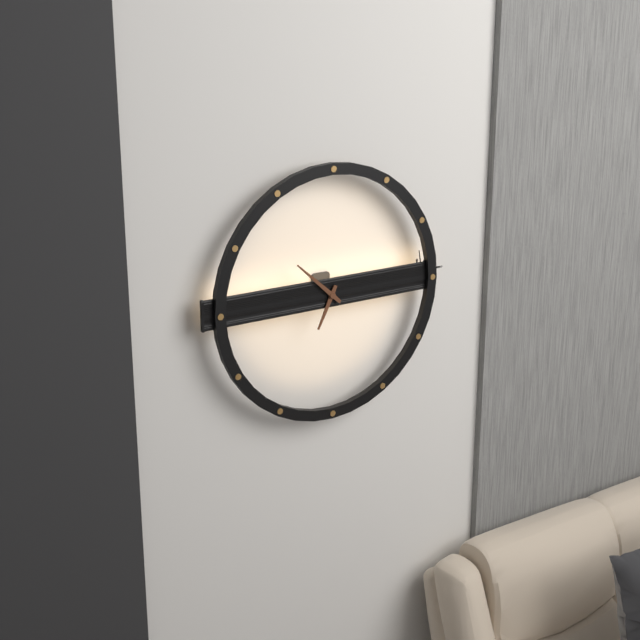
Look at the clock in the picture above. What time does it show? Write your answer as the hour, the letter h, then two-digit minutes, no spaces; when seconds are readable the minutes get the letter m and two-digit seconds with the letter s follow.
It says 6h52
